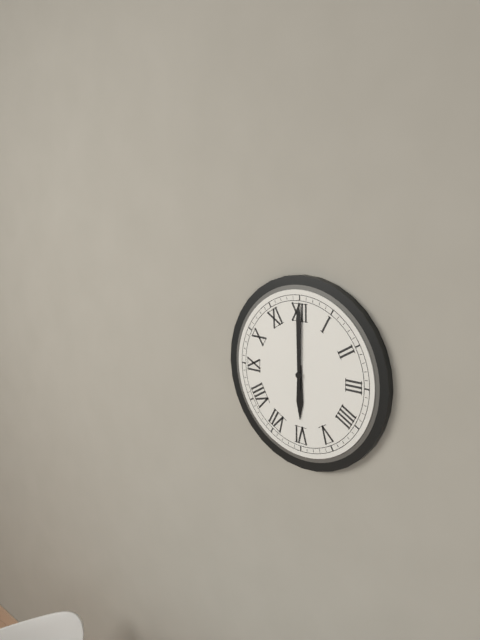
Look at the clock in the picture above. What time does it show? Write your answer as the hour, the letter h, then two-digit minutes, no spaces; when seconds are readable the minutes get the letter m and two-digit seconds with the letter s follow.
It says 6h00
